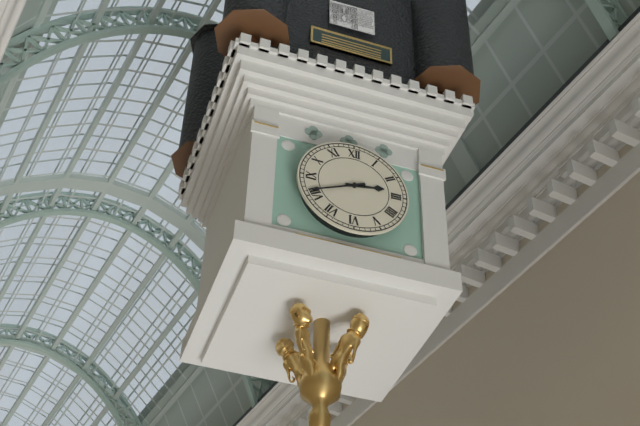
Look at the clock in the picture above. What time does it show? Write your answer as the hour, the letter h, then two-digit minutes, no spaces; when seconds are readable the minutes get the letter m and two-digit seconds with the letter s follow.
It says 2h41
